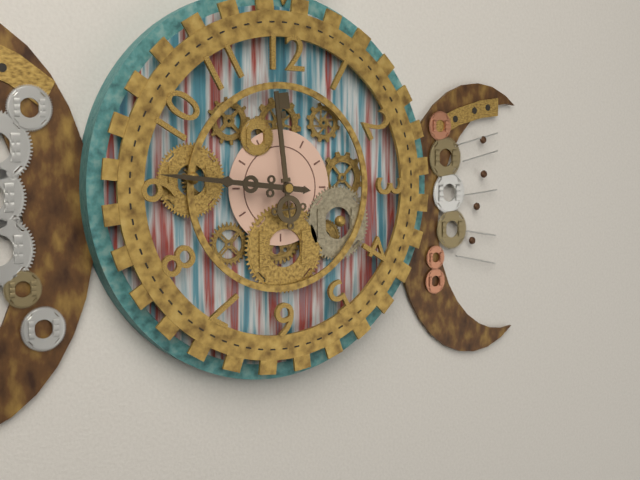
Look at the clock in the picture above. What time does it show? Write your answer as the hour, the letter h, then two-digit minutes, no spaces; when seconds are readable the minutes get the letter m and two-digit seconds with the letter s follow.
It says 11h46
